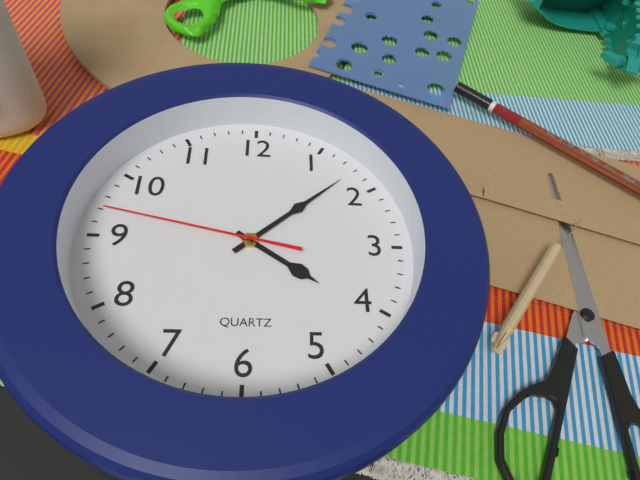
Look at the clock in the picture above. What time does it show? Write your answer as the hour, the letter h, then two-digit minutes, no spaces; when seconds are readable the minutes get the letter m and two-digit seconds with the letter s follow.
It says 4h08m47s
